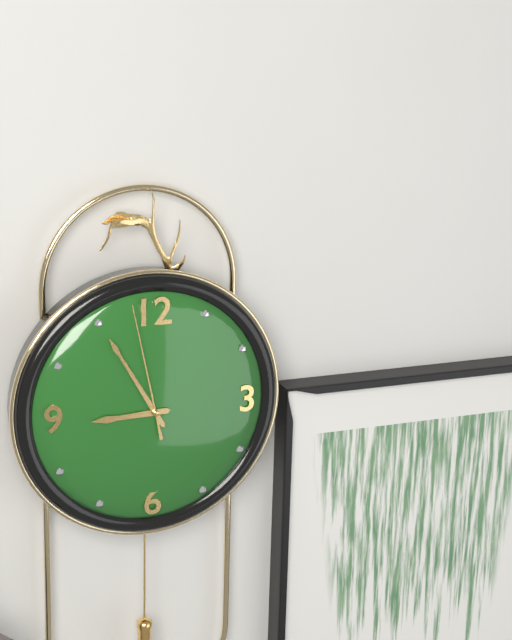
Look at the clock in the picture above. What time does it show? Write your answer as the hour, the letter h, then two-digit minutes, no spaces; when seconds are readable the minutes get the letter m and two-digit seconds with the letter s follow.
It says 8h55m58s
